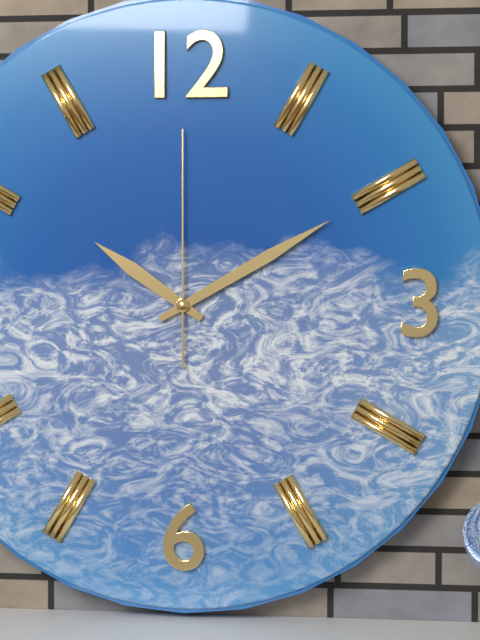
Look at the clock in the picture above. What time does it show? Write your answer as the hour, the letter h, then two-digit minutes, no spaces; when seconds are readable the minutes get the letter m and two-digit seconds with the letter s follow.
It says 10h10m00s
